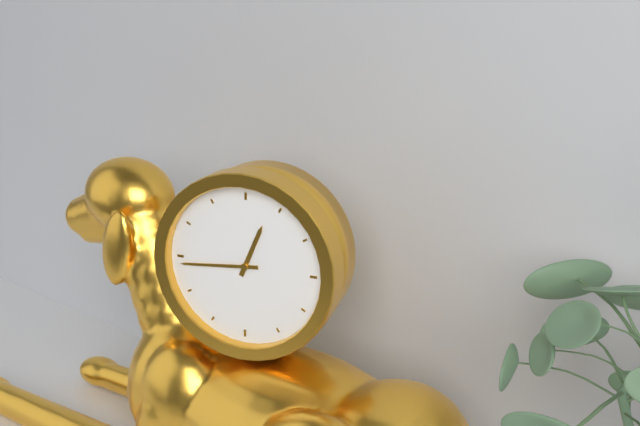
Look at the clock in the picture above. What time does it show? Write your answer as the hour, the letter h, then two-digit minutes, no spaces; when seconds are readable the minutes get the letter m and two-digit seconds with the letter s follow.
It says 12h44
